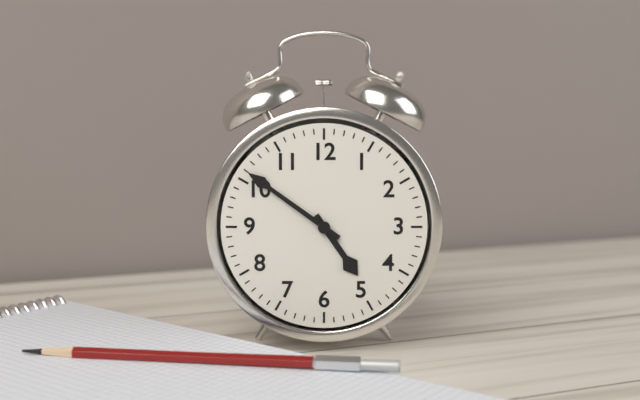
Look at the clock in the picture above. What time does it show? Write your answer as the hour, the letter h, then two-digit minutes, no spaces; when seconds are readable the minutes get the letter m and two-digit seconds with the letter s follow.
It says 4h51
